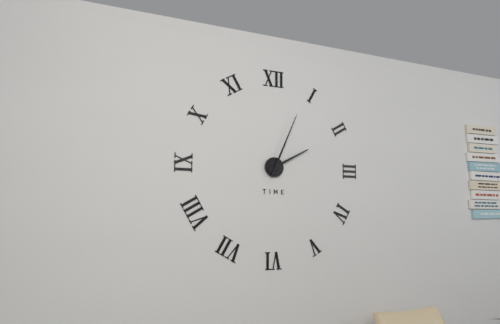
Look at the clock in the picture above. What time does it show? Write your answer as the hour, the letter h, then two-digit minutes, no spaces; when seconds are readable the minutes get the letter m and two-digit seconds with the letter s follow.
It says 2h04
